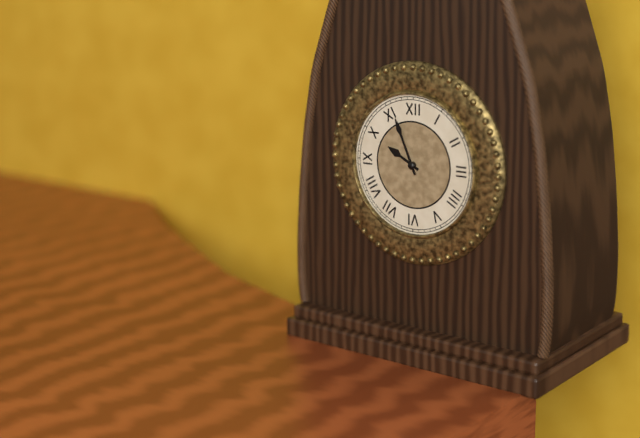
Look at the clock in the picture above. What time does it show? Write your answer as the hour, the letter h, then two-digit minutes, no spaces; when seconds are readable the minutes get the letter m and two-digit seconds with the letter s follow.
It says 9h56
